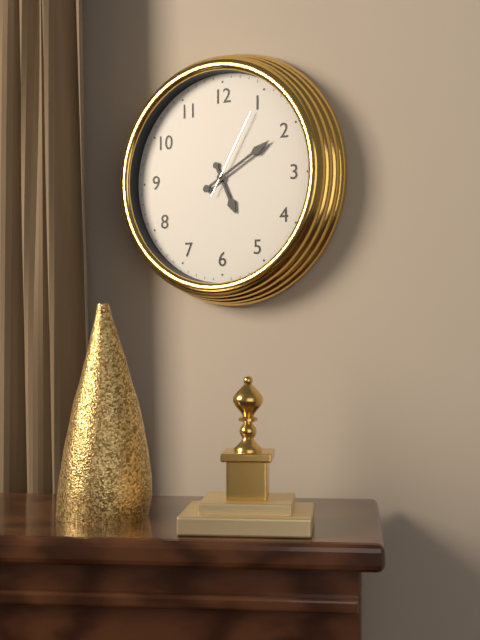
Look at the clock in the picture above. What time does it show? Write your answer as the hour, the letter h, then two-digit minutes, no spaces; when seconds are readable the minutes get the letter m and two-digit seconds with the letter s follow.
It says 5h10m05s
